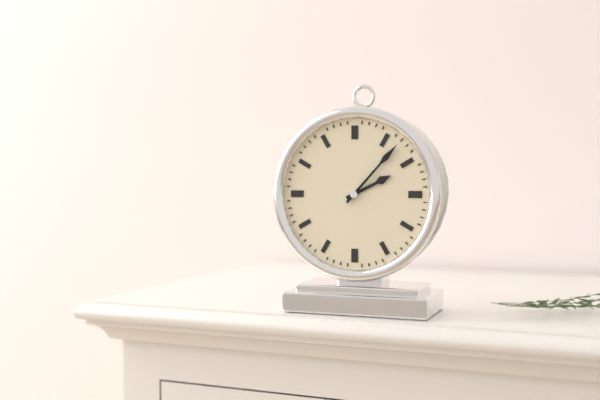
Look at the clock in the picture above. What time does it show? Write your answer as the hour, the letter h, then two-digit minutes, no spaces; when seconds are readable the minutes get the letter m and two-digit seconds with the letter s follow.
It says 2h07
